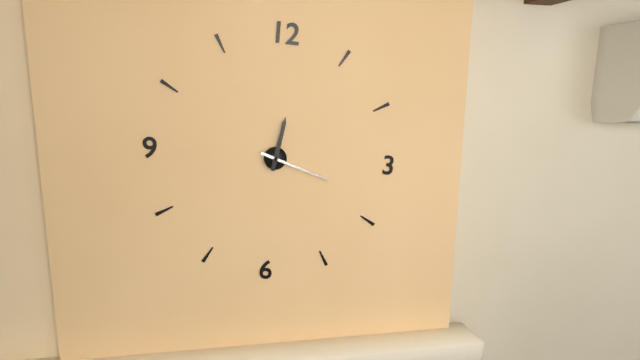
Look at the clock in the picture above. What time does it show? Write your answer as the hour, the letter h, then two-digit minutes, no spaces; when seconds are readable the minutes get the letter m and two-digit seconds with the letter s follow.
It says 12h18
